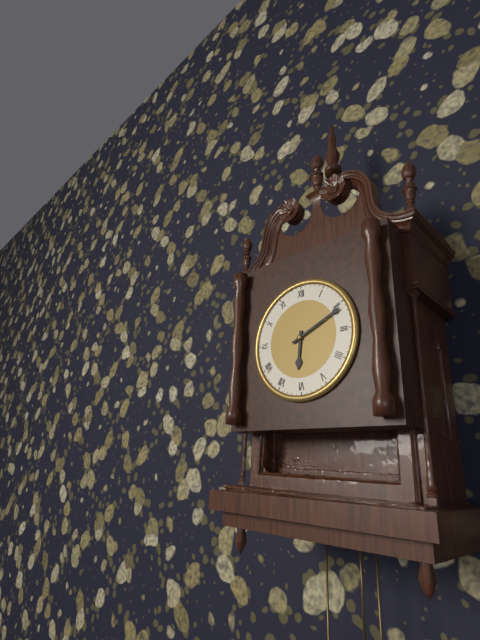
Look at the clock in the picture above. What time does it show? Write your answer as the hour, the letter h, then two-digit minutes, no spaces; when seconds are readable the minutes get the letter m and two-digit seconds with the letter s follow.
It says 6h11
